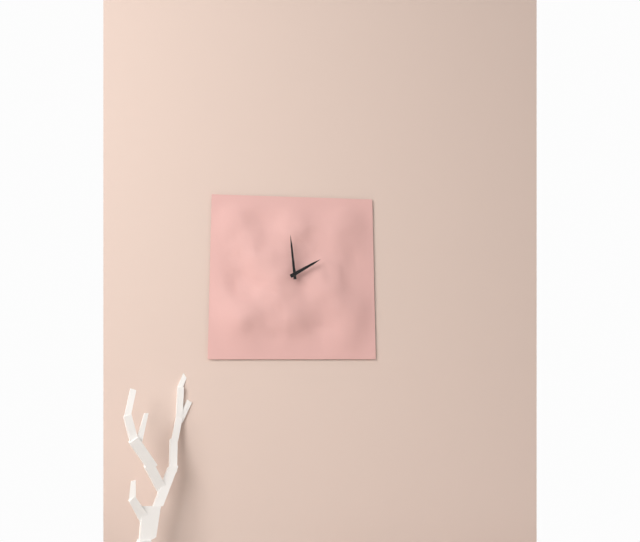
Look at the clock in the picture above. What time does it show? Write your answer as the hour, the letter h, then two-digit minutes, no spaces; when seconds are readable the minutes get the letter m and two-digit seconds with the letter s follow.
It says 1h59
